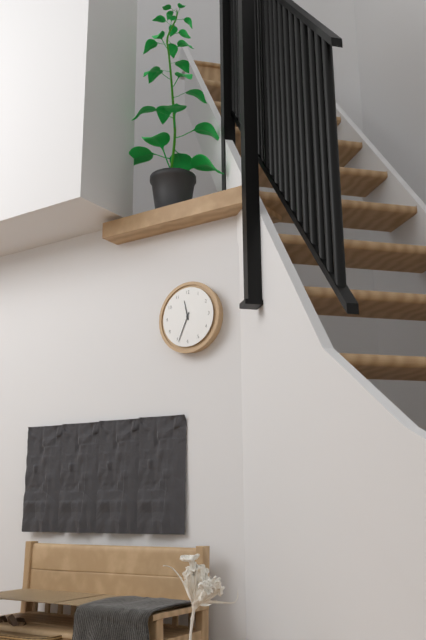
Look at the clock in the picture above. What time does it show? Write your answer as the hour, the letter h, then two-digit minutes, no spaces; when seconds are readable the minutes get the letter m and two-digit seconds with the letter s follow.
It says 11h34
